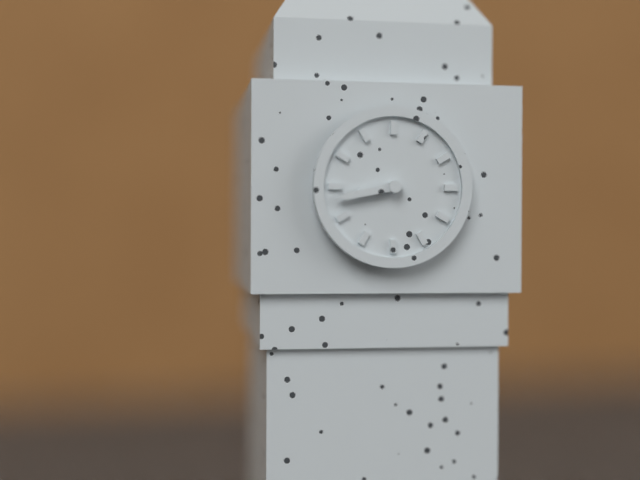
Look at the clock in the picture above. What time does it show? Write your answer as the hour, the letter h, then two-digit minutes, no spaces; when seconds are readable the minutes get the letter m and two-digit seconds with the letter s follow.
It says 8h43
